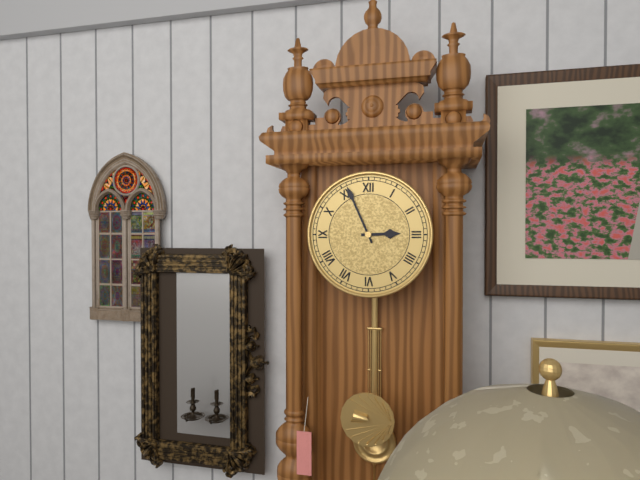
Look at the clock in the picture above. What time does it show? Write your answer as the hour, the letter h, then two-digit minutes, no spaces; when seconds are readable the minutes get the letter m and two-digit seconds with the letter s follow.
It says 2h56
